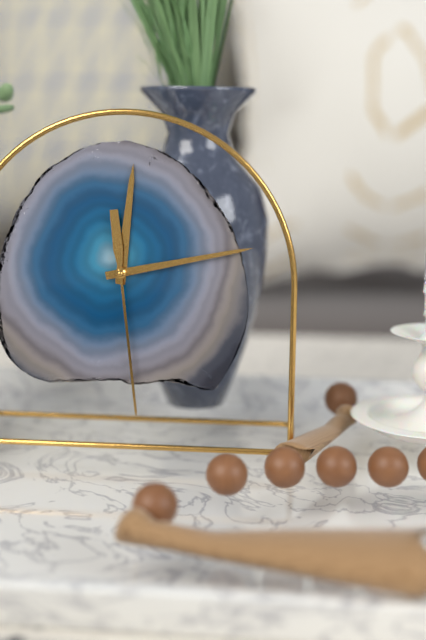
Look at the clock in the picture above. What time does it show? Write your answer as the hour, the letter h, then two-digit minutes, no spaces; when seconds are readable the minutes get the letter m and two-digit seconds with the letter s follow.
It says 12h13m29s
